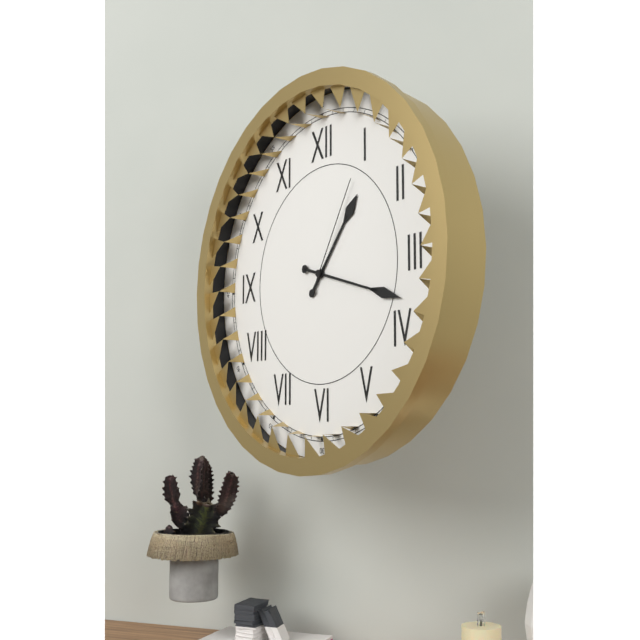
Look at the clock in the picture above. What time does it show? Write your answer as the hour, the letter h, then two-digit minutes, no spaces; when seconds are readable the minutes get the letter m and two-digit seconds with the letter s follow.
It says 1h18m05s
